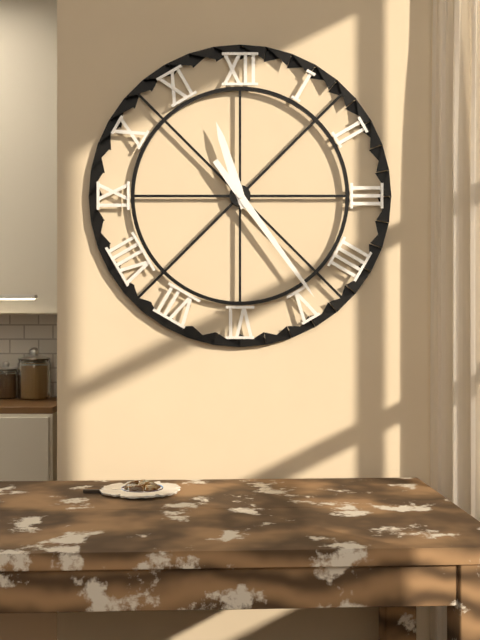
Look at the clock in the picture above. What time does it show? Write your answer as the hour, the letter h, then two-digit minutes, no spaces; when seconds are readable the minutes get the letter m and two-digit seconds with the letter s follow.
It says 11h24
